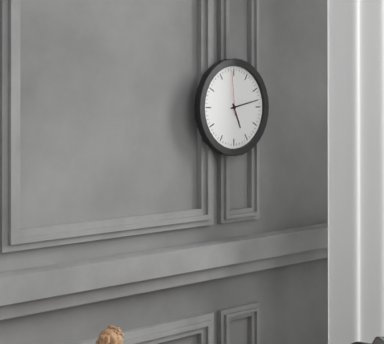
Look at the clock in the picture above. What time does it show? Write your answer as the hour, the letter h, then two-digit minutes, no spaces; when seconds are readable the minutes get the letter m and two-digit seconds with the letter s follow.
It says 5h13
